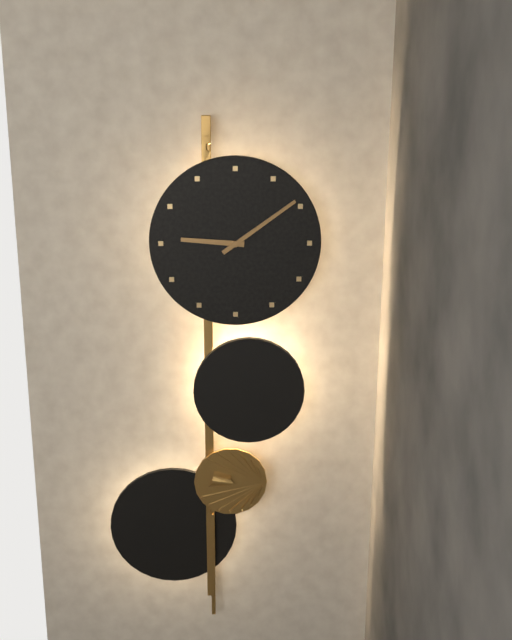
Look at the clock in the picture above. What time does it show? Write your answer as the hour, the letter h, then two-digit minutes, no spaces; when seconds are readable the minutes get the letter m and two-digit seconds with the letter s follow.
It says 9h09
